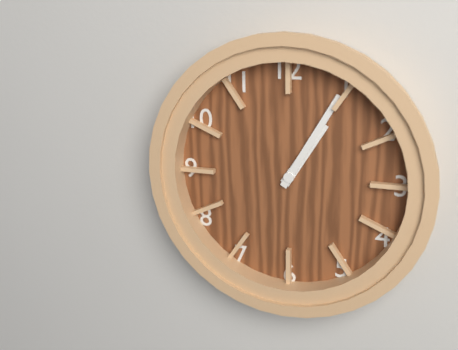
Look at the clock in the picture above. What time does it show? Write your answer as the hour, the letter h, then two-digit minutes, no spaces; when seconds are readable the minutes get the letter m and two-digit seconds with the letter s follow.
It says 1h05
